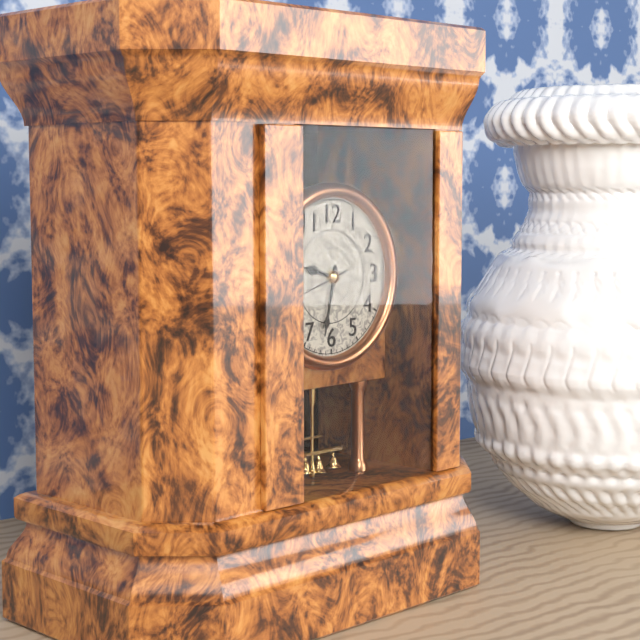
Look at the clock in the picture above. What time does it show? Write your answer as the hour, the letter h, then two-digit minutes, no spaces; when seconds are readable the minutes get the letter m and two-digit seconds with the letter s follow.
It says 9h32
